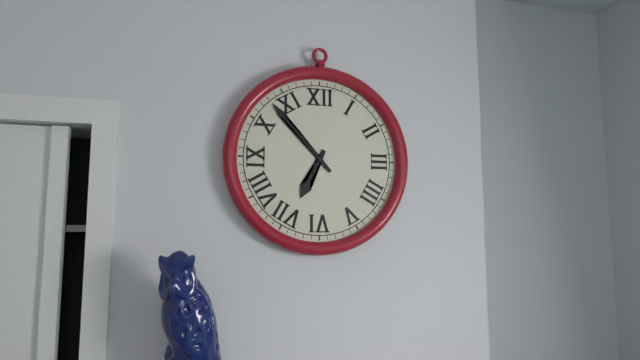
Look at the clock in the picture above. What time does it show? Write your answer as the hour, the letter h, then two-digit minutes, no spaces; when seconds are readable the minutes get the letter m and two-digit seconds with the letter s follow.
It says 6h53
